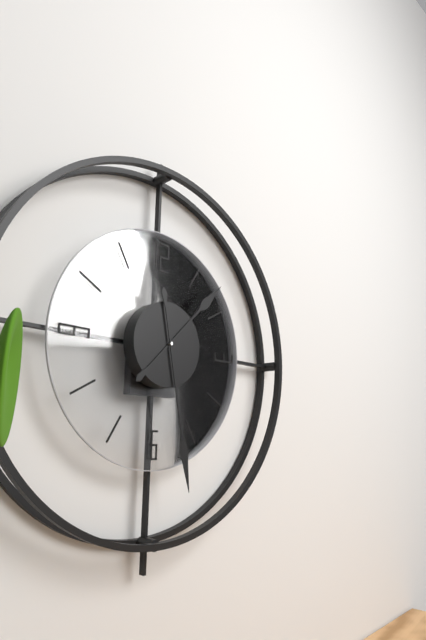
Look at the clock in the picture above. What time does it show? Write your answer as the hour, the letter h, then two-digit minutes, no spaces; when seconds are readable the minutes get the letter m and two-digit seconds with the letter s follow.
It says 1h28
